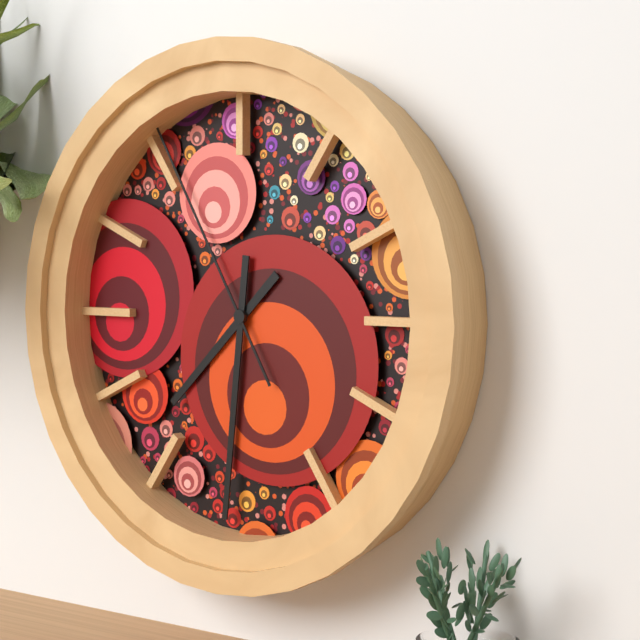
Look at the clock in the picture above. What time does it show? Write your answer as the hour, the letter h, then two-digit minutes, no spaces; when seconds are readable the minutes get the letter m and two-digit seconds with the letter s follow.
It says 7h31m55s
